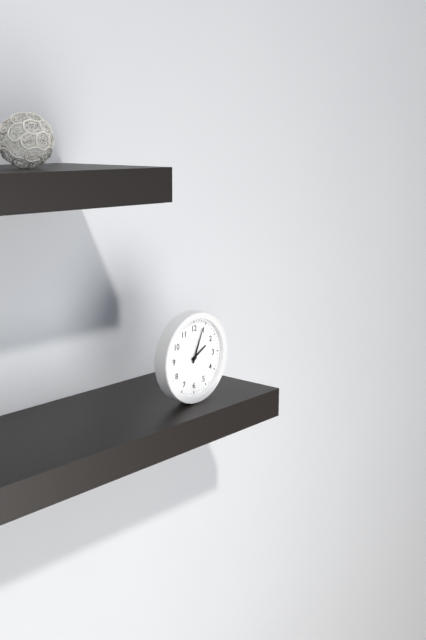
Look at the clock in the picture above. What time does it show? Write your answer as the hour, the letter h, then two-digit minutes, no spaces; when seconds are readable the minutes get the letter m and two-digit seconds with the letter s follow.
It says 2h04
